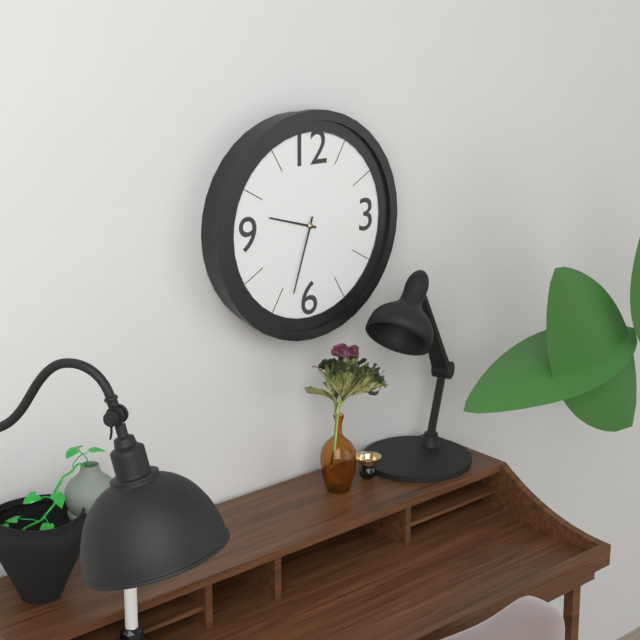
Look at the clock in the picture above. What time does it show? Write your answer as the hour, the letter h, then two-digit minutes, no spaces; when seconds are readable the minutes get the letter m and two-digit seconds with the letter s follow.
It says 9h33
